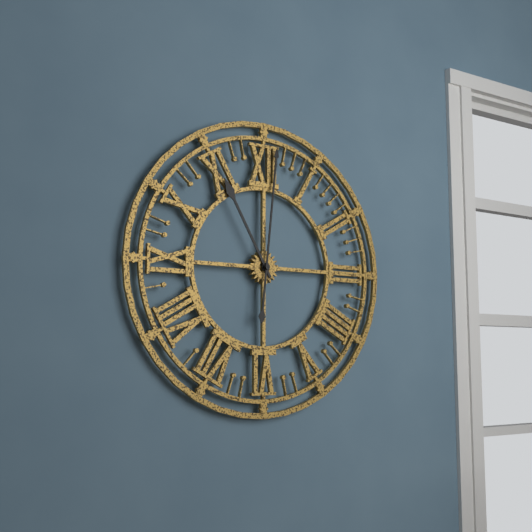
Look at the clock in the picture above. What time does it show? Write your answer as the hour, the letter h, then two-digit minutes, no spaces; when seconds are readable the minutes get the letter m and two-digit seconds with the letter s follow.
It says 11h01
